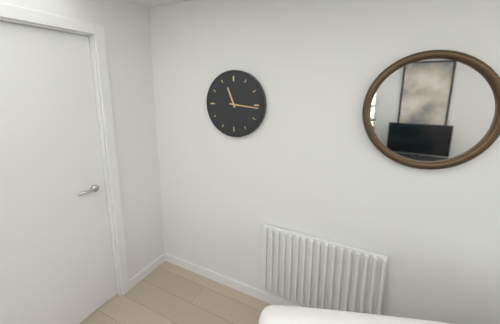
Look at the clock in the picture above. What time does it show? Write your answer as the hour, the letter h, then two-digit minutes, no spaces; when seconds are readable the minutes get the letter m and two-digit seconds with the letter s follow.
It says 11h16
